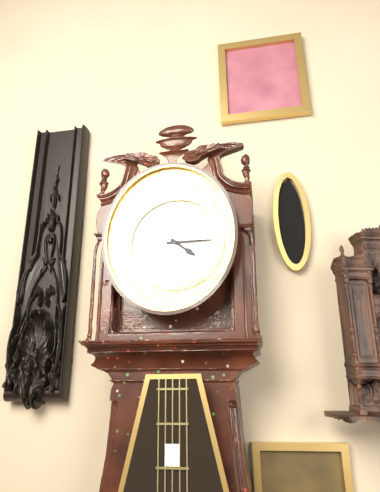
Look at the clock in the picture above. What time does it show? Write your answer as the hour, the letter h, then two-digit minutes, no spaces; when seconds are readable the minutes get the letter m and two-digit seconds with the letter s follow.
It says 4h15
